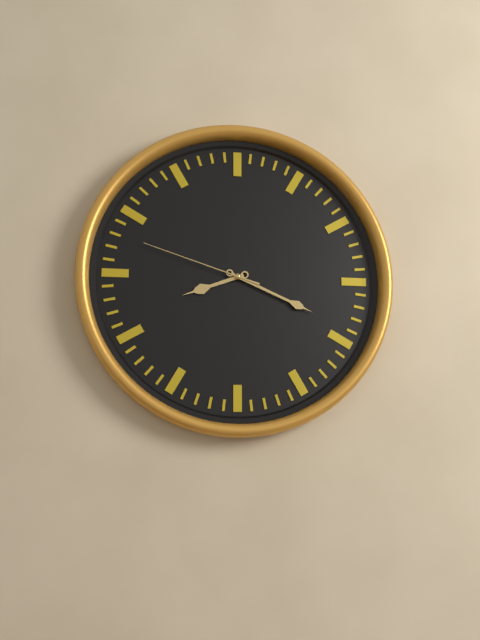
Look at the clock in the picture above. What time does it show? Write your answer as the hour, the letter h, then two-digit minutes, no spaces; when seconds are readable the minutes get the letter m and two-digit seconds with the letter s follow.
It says 8h19m48s
